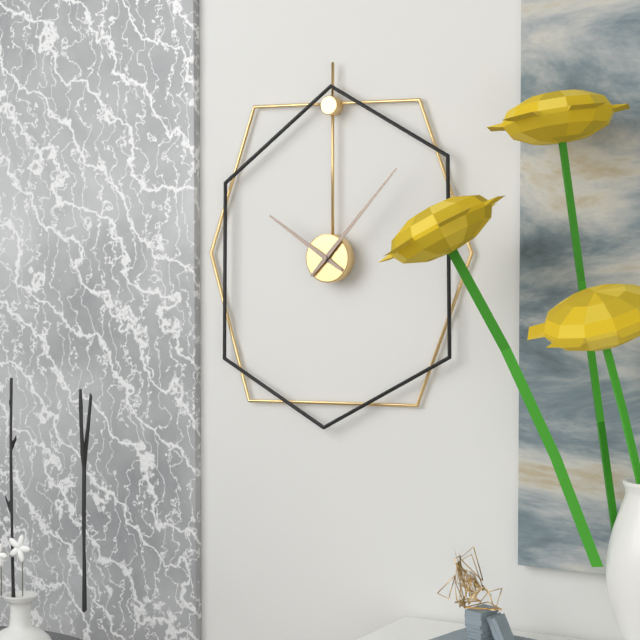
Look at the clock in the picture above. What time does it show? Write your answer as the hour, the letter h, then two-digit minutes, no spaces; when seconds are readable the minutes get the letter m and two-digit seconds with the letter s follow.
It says 10h07
